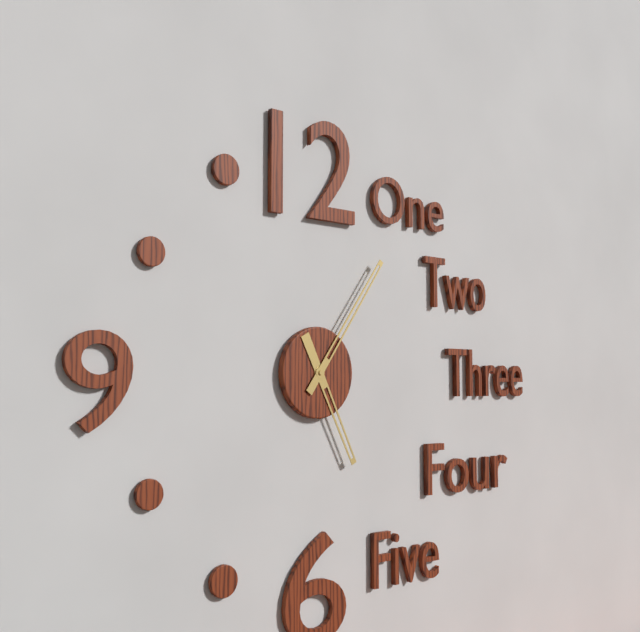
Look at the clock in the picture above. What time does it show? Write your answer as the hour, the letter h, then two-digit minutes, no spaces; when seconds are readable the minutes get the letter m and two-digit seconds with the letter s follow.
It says 5h06
